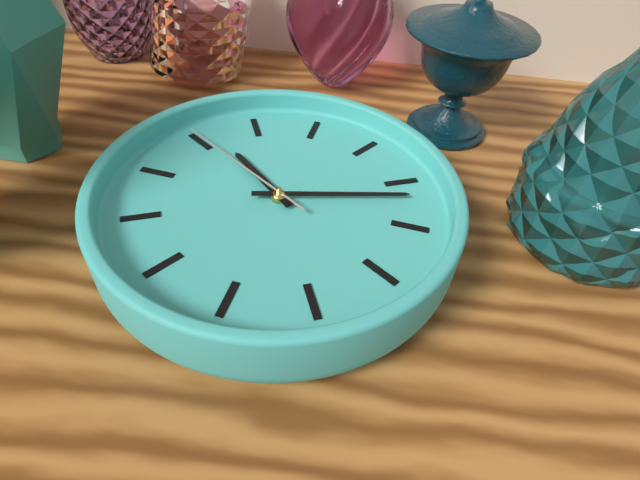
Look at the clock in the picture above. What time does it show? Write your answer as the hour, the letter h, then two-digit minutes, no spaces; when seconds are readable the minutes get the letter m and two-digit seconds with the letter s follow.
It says 11h17m55s
